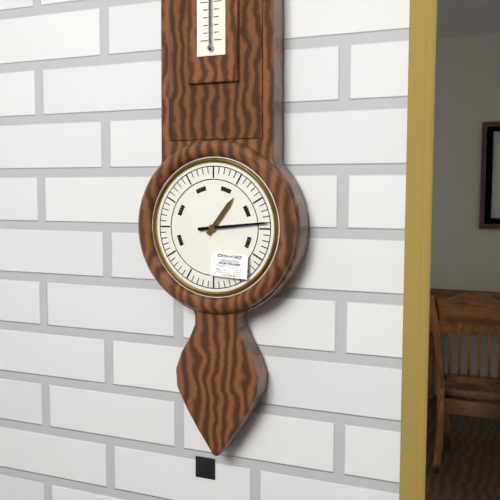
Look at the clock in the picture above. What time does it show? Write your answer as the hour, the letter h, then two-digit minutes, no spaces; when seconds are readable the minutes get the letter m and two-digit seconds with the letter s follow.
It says 1h14
